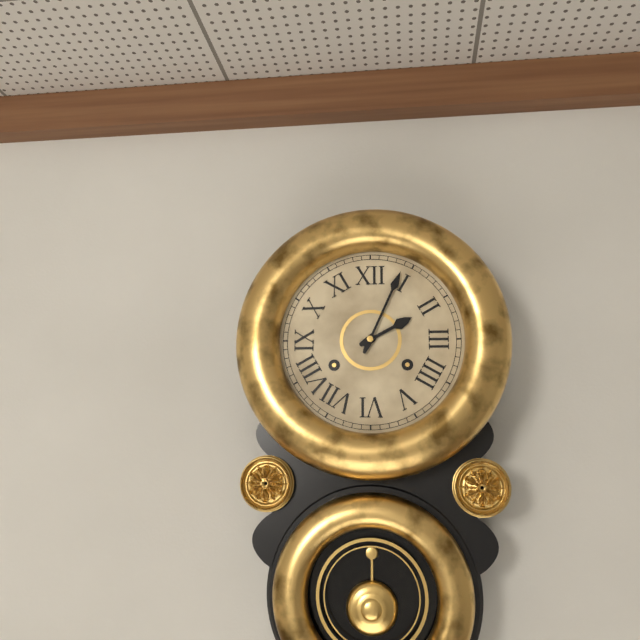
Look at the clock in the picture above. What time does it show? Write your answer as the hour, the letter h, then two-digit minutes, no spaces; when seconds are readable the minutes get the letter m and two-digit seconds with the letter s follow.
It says 2h04
